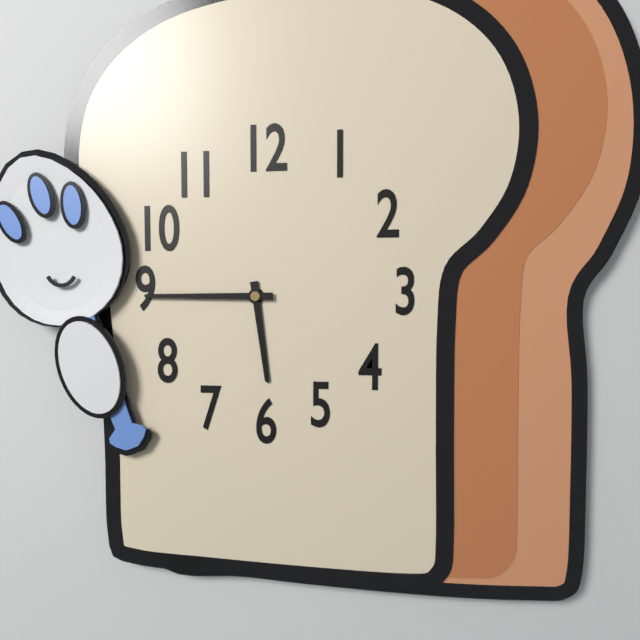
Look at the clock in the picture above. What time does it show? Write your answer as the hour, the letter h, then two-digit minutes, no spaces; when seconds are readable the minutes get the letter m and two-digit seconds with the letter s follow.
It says 5h45
